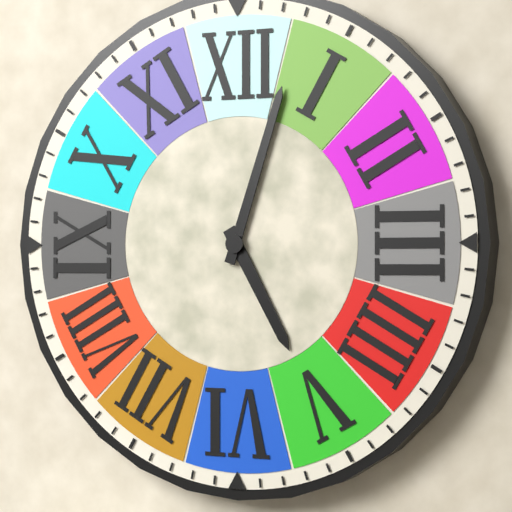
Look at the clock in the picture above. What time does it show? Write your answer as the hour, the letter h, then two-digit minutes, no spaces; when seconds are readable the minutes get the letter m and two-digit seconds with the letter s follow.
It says 5h03
